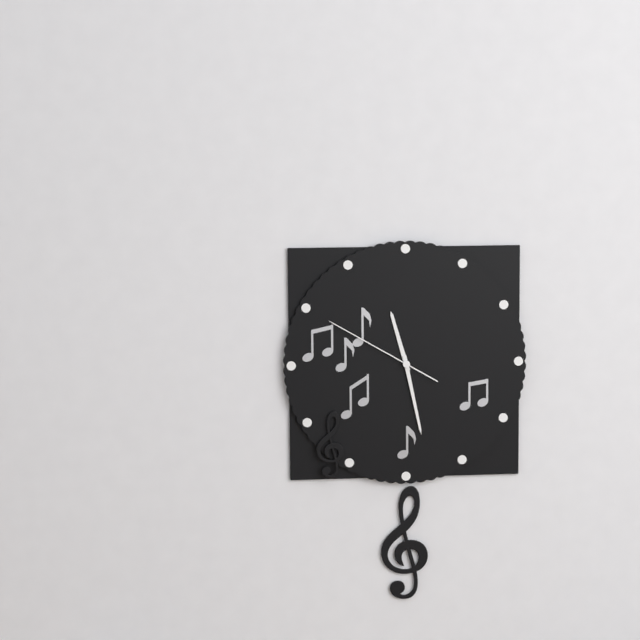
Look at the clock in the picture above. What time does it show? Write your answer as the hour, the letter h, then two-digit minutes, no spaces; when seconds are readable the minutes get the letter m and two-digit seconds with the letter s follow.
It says 11h28m50s
